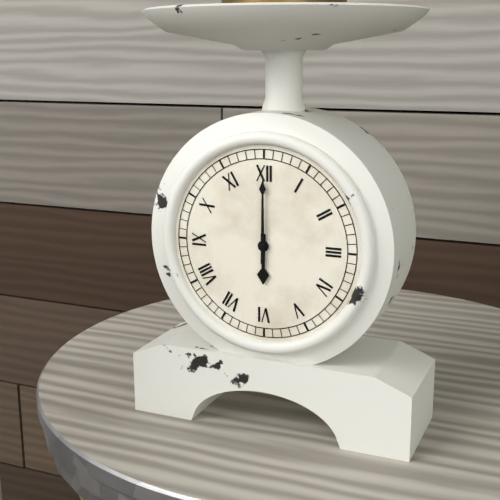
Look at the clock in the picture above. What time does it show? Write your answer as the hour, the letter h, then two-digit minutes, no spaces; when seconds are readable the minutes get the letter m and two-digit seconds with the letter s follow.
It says 6h00
